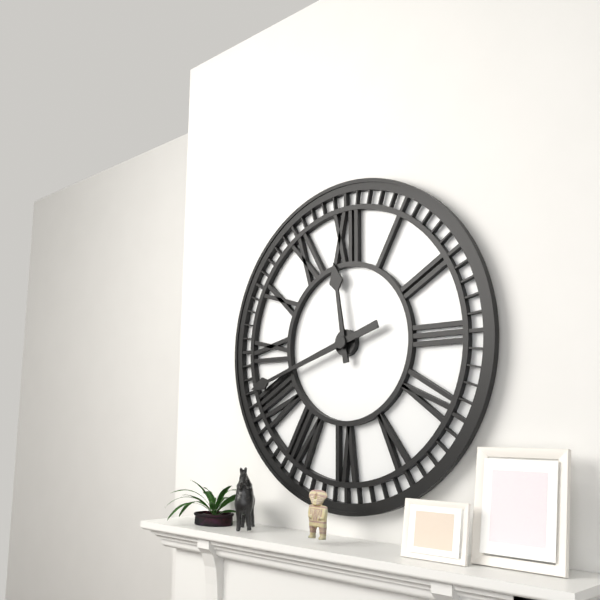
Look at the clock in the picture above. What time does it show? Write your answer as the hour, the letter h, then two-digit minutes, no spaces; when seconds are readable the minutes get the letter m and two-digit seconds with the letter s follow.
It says 11h42
